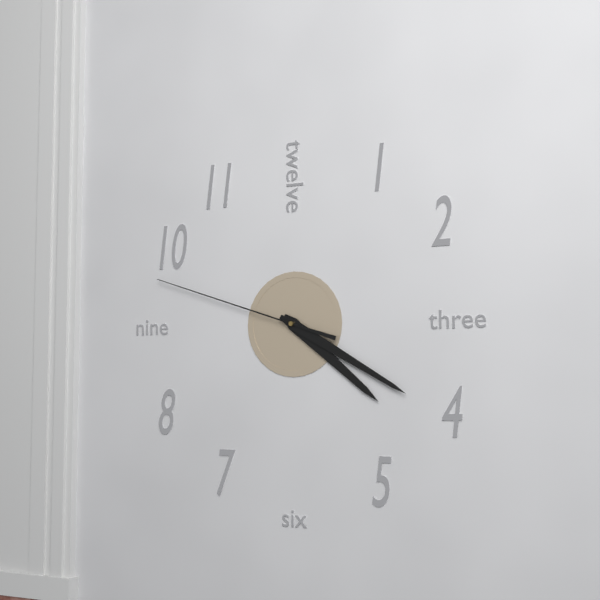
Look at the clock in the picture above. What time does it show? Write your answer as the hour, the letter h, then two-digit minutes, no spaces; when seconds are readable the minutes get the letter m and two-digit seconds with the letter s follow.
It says 4h20m48s
